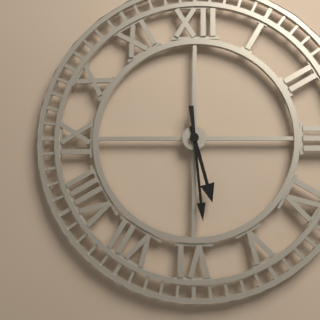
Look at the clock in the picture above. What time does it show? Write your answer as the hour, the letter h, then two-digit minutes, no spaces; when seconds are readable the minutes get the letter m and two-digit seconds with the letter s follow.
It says 5h29
